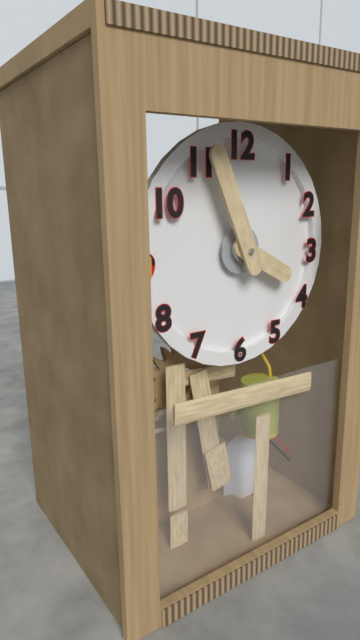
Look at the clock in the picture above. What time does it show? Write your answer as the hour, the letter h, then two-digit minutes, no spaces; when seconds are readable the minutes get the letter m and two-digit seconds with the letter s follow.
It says 3h56
